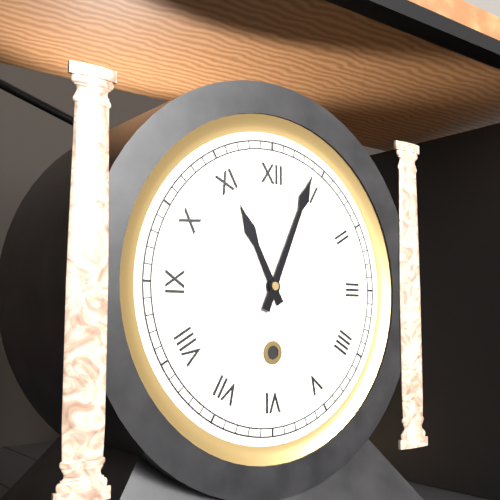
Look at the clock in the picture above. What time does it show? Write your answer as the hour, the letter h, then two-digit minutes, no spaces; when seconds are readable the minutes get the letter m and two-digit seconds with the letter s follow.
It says 11h04
